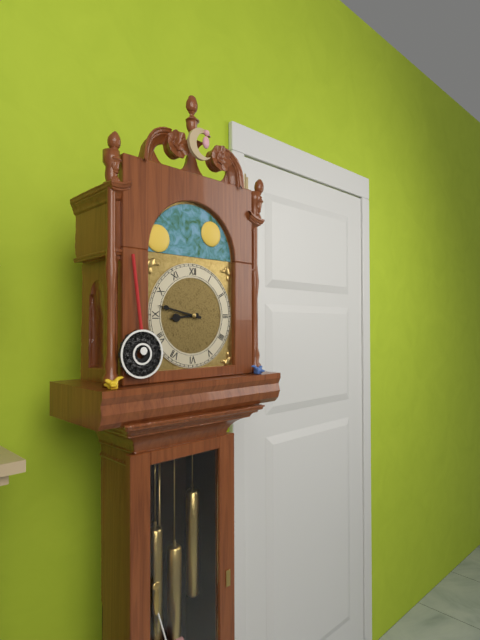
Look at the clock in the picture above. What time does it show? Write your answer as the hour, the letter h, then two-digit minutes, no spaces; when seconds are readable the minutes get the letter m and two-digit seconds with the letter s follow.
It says 8h47
